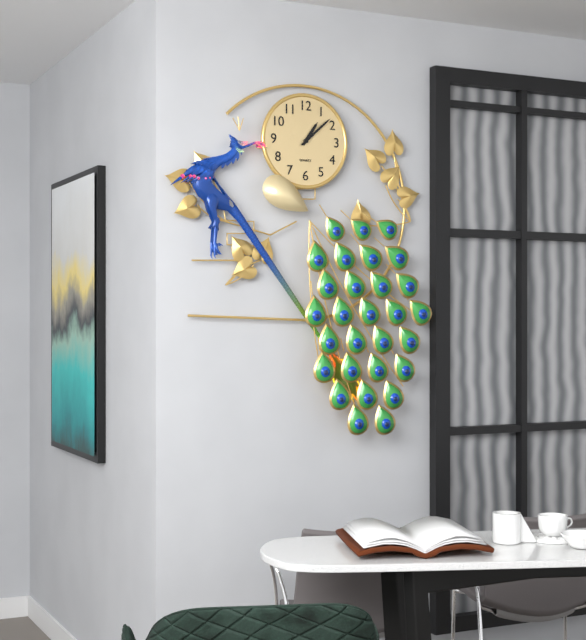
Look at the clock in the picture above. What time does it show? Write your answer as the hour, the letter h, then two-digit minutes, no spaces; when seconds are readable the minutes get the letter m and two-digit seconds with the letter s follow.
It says 1h08
